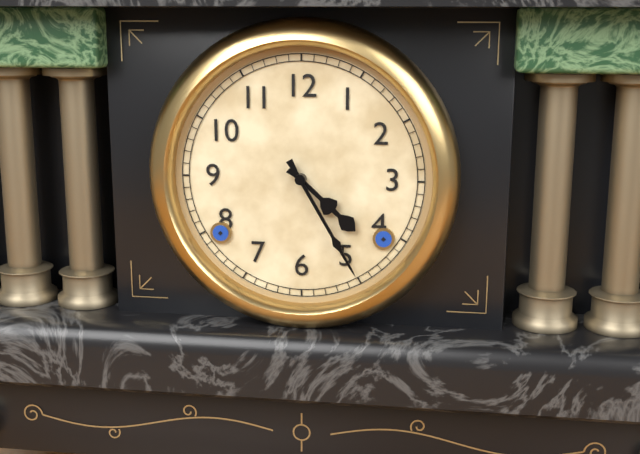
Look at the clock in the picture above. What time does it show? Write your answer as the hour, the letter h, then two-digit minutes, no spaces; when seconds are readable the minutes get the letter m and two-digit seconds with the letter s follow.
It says 4h25
